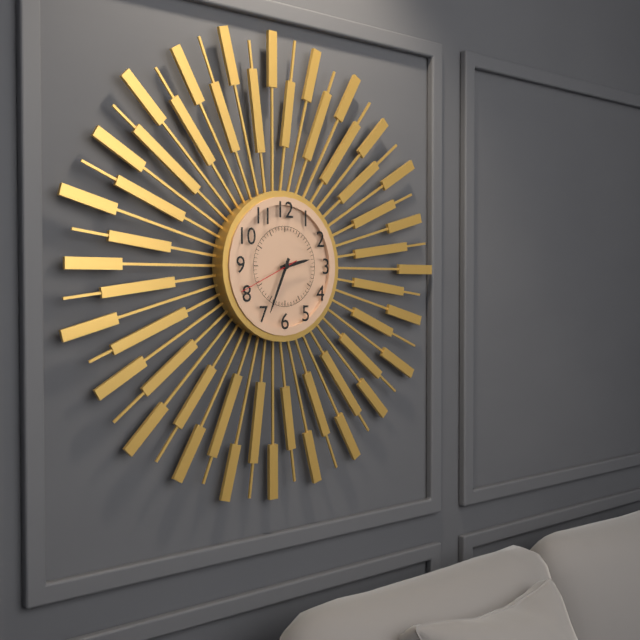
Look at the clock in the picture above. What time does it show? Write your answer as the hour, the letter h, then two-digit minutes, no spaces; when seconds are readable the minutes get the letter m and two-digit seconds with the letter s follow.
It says 2h34m41s
